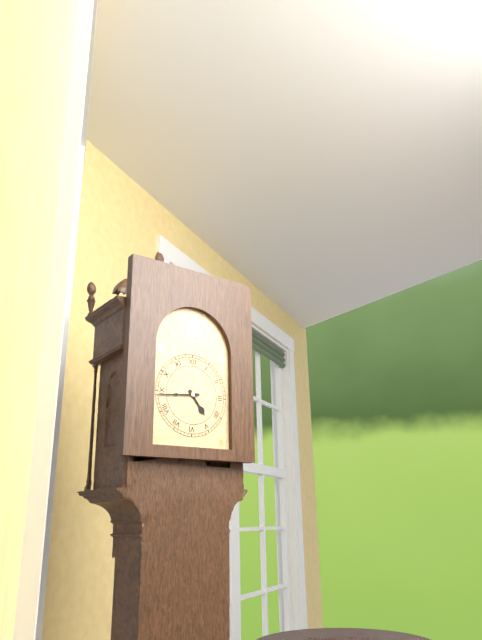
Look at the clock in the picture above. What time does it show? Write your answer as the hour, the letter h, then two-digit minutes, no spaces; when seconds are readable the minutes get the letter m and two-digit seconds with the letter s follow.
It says 4h44
